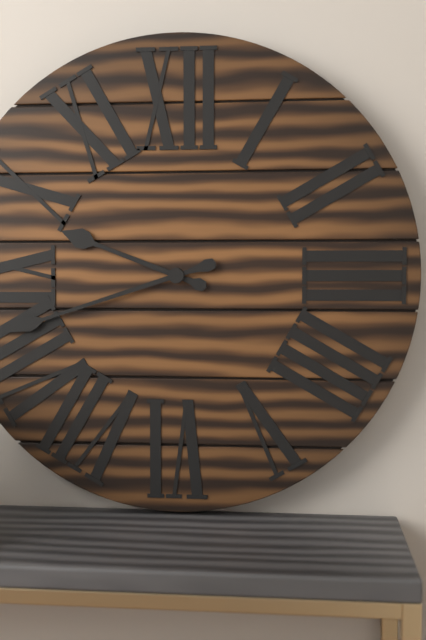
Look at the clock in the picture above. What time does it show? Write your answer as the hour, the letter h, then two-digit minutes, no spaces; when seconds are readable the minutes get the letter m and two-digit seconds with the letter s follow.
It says 9h42
